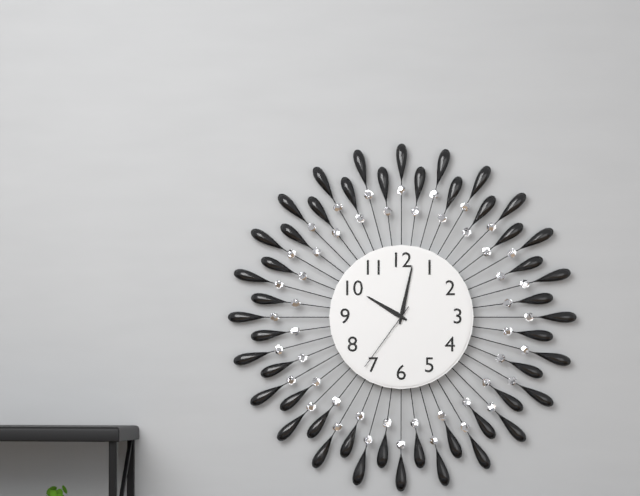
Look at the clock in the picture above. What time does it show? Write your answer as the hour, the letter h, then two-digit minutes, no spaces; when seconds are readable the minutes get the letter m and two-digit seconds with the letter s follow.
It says 10h02m36s
